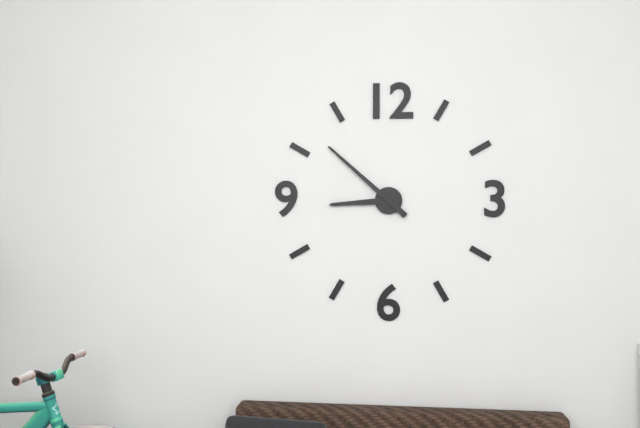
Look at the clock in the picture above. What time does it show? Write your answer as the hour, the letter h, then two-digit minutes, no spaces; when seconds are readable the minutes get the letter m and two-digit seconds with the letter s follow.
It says 8h52
